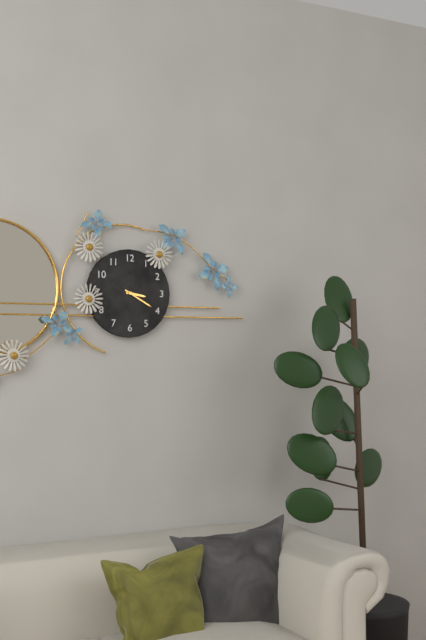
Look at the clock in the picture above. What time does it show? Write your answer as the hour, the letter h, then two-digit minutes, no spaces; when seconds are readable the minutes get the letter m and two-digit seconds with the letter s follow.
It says 3h20
